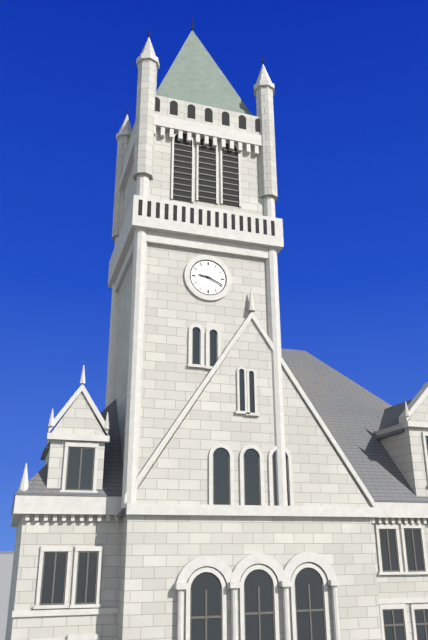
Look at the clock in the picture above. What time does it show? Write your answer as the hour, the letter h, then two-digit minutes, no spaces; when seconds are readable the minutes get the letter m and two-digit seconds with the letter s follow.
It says 9h19
